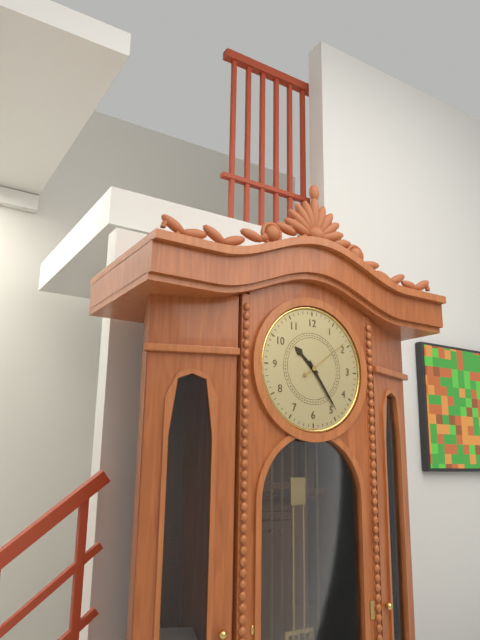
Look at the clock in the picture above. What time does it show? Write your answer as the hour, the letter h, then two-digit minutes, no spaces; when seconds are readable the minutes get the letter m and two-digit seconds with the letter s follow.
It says 10h24m09s
